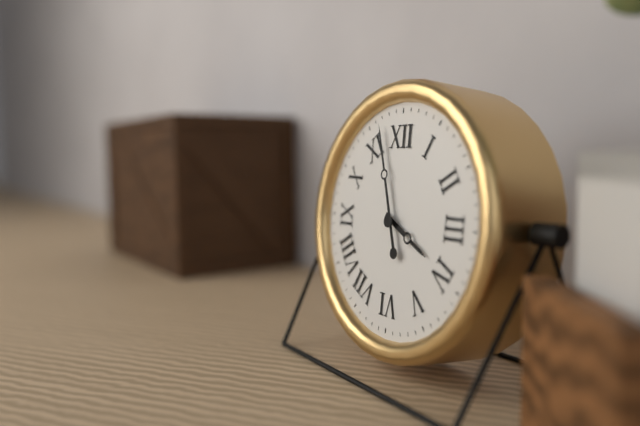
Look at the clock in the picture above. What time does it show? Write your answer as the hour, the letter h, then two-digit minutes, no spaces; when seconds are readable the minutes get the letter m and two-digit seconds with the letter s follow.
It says 3h57
